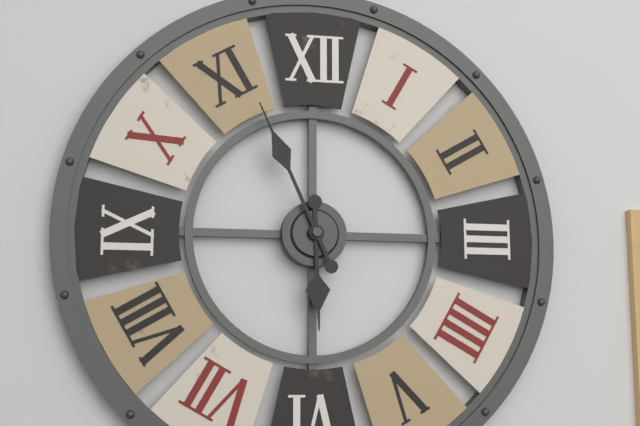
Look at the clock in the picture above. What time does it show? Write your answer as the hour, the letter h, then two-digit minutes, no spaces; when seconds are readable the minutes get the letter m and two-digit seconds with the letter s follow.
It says 5h56
